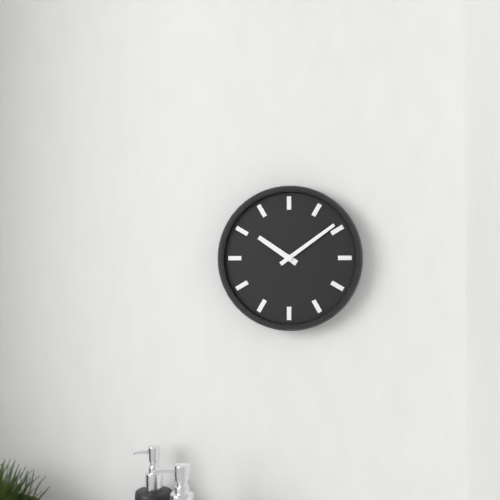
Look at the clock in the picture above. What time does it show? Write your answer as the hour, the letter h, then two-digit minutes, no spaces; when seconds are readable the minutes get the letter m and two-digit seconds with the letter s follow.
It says 10h09
